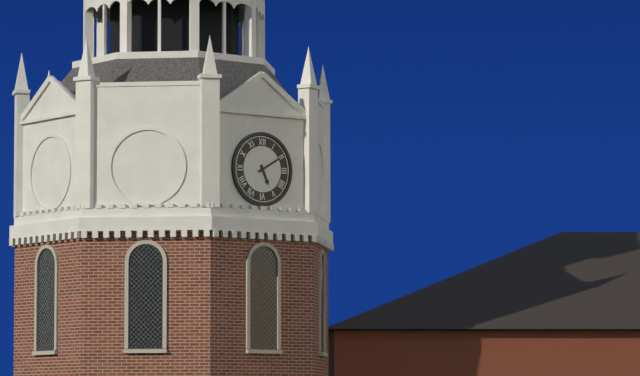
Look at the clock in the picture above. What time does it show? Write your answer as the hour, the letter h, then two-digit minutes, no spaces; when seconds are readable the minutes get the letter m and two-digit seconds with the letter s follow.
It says 5h10
